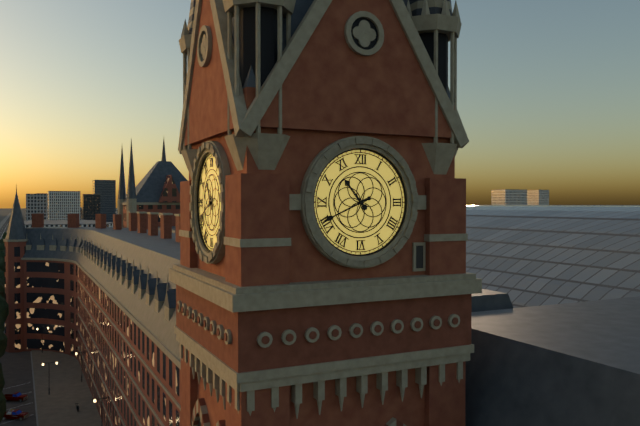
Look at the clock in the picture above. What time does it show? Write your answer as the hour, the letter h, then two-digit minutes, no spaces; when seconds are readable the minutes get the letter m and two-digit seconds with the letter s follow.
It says 10h41
